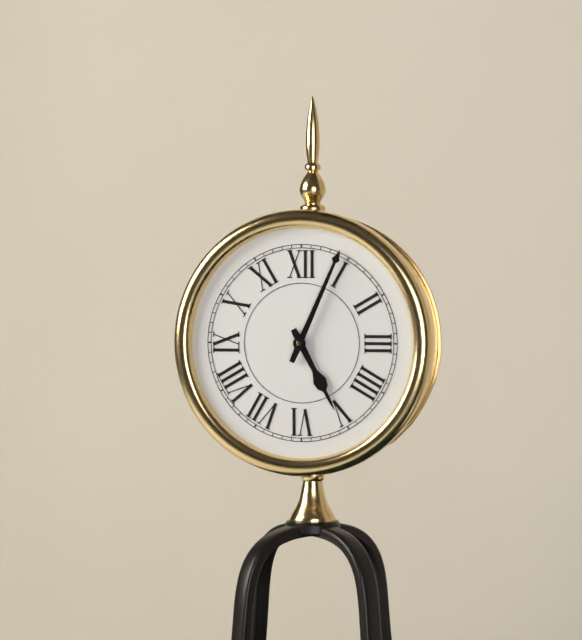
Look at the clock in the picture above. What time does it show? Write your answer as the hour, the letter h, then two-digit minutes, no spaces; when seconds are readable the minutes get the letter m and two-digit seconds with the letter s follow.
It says 5h04
